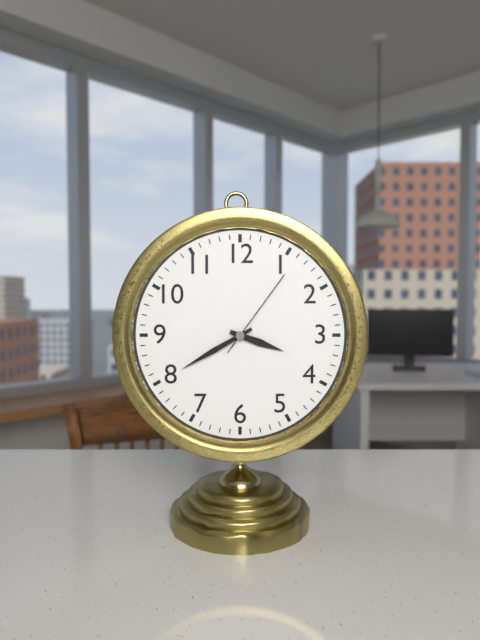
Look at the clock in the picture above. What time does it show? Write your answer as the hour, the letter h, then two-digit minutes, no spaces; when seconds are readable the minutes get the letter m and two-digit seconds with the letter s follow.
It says 3h40m06s
